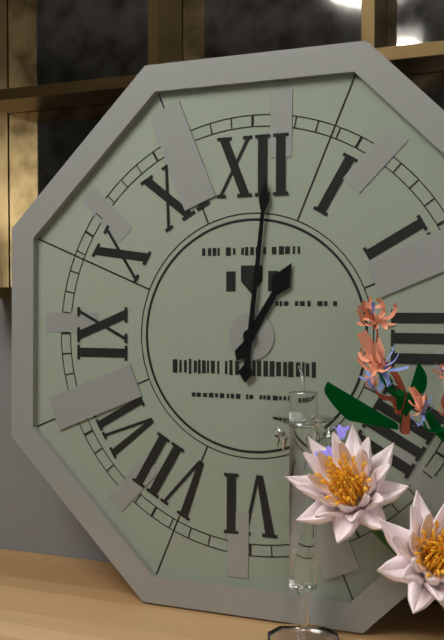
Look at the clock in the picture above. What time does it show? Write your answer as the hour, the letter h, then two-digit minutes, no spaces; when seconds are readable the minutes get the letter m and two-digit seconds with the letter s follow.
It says 1h01
